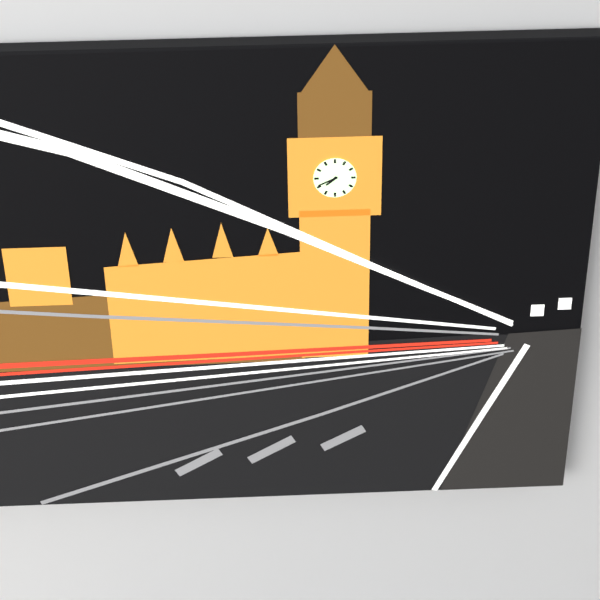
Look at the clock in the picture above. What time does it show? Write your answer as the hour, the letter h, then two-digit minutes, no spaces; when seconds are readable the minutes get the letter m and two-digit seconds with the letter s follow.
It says 7h41
